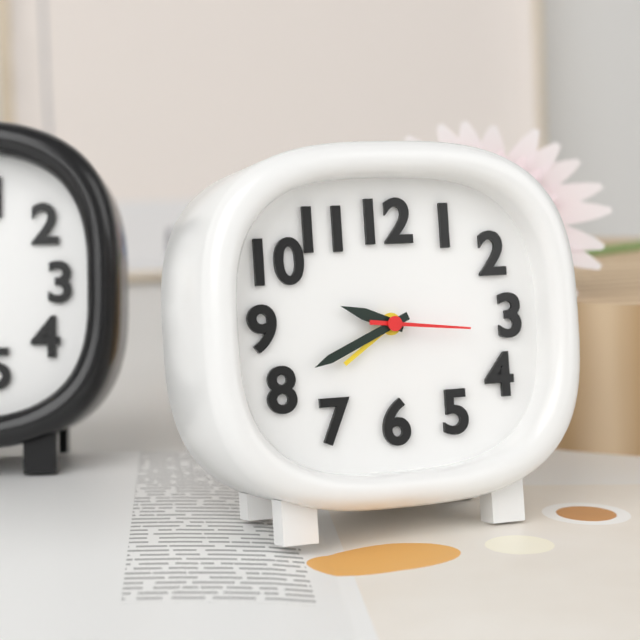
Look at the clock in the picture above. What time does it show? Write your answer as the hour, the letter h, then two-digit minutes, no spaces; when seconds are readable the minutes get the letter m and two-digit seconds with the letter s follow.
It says 9h41m16s
